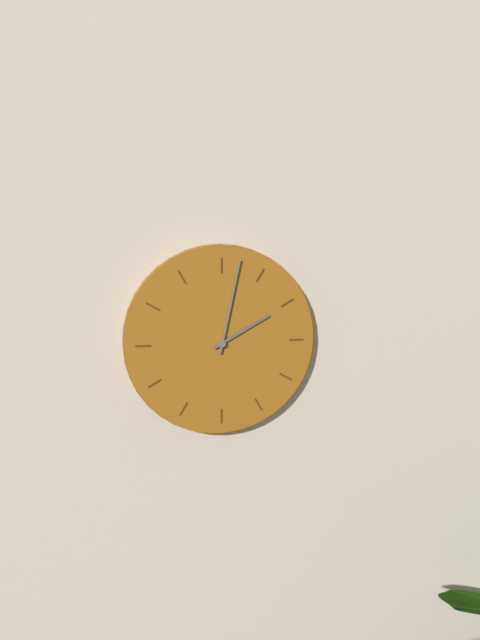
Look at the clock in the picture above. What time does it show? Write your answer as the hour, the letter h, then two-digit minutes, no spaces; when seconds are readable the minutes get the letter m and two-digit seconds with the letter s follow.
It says 2h02
